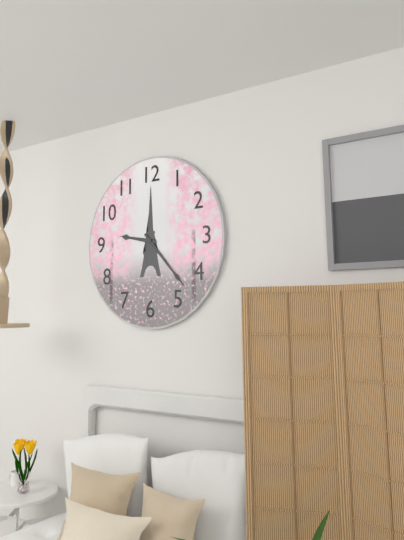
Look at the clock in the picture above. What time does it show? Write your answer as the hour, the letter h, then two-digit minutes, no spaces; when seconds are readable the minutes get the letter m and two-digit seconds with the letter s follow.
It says 9h23
